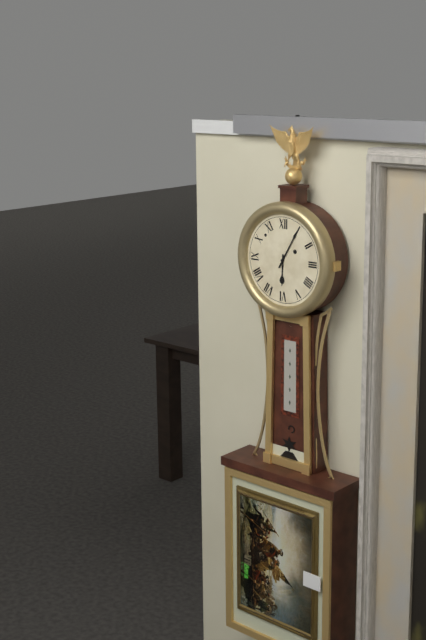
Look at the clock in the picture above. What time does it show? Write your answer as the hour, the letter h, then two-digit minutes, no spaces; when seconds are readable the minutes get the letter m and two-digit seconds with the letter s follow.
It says 6h05
